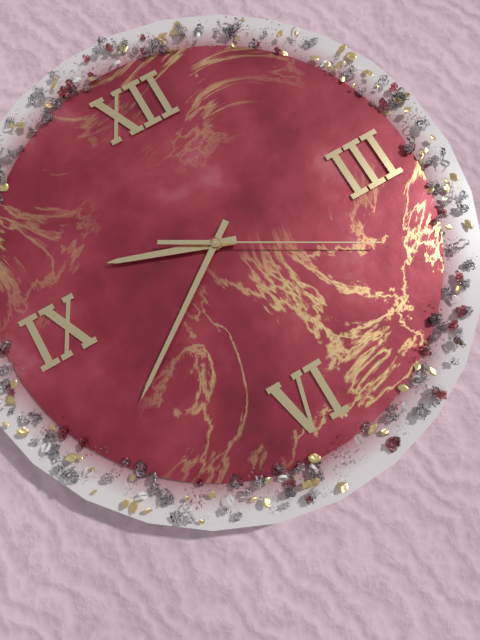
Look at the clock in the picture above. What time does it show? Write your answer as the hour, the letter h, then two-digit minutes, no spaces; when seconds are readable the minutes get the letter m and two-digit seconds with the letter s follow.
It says 9h39m20s
